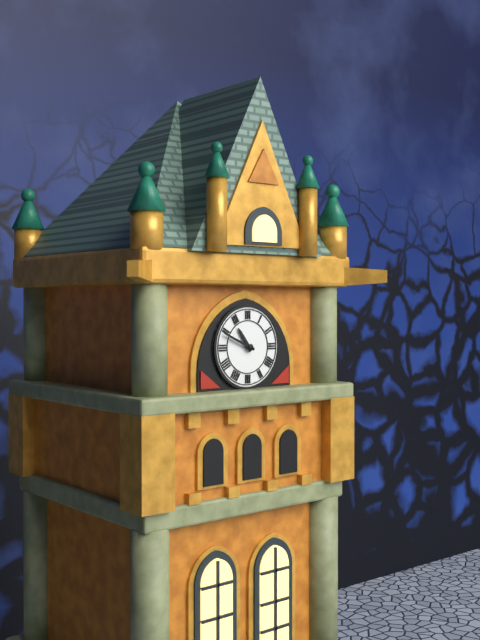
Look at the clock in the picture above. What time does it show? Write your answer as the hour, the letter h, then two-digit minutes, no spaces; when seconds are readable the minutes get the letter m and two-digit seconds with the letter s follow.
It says 10h49
